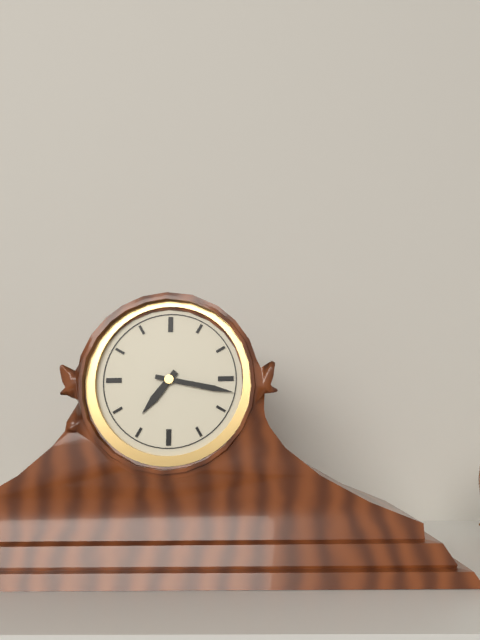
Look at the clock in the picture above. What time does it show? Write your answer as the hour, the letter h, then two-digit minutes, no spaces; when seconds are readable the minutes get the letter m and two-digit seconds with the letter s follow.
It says 7h17
